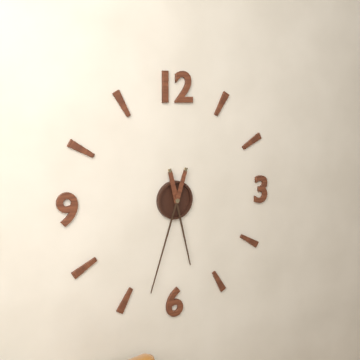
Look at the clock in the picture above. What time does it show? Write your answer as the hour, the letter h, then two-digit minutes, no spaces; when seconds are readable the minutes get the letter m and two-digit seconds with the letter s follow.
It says 5h33
